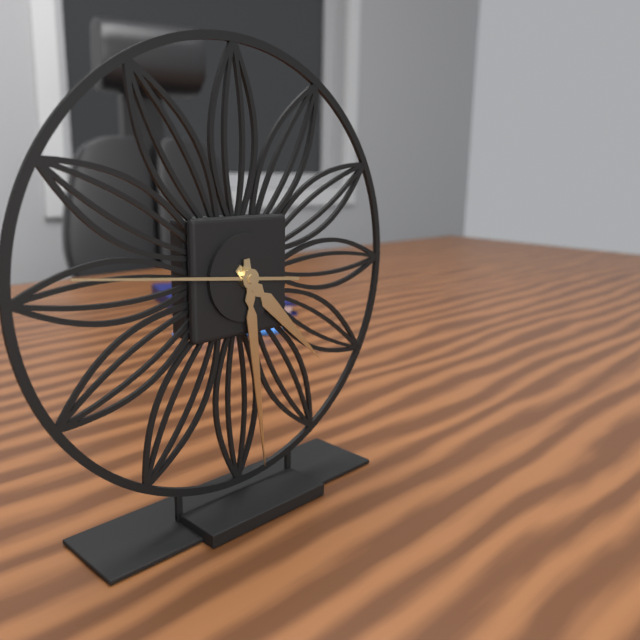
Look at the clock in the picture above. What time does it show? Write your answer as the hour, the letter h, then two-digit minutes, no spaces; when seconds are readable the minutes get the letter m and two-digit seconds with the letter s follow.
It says 4h29m46s
